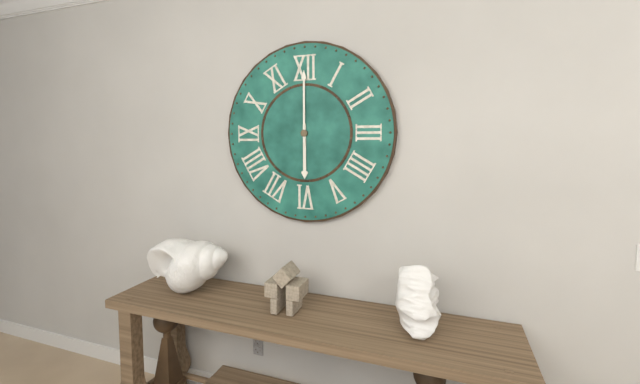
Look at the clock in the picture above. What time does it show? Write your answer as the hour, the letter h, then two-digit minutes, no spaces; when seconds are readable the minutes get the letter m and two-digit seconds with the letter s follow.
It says 6h00
